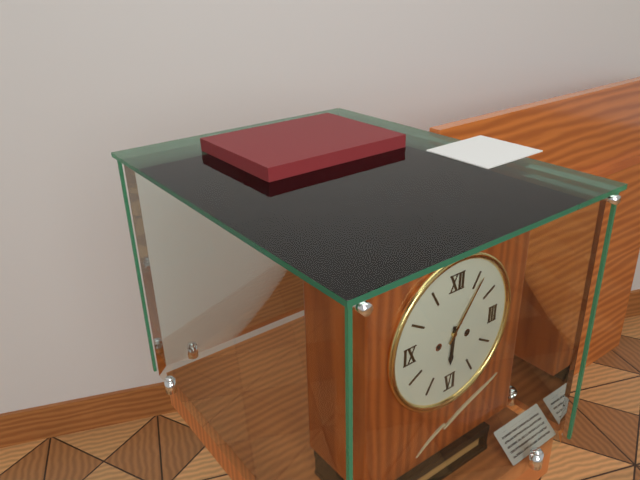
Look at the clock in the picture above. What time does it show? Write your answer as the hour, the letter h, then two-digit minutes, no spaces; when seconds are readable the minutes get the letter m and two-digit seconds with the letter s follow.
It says 6h06
